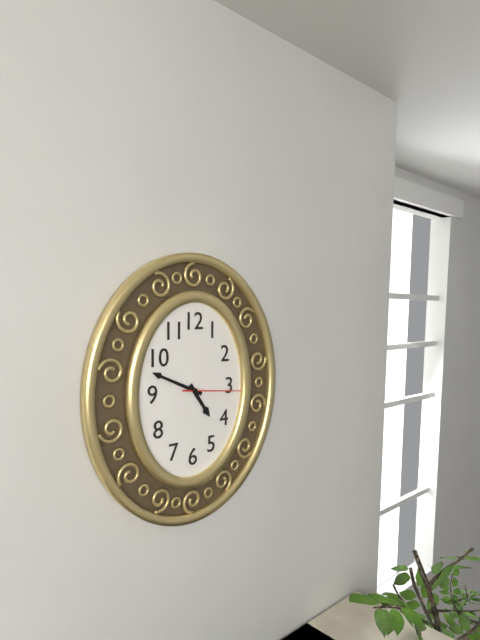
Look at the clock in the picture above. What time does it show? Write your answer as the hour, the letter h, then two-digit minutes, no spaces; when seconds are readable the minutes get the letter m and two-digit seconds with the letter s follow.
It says 4h49m16s
